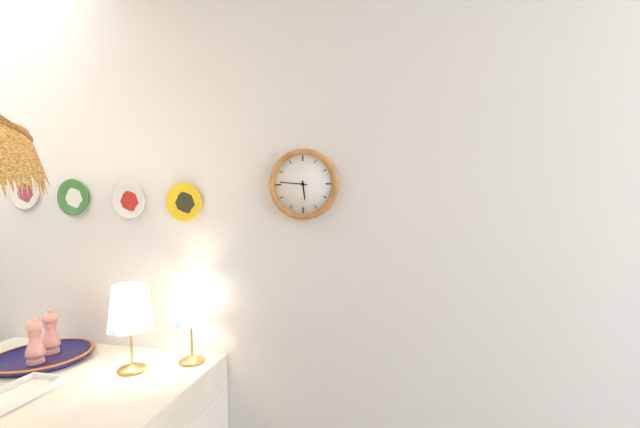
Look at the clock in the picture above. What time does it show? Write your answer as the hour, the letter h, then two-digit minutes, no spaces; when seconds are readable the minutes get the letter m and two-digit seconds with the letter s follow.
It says 5h46
